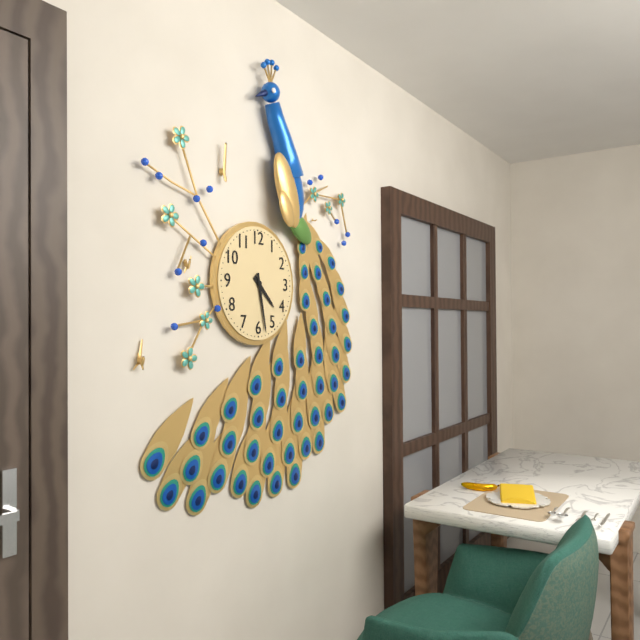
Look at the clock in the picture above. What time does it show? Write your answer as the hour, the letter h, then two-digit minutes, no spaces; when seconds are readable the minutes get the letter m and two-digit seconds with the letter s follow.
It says 4h28
